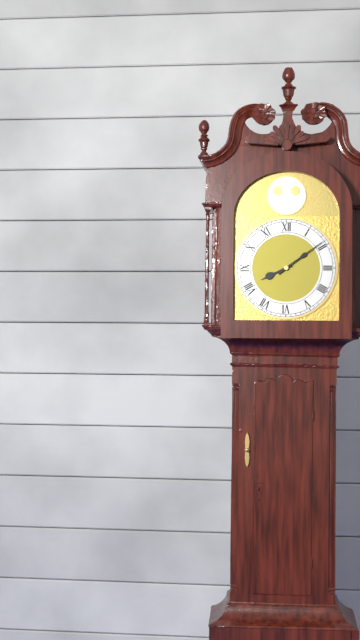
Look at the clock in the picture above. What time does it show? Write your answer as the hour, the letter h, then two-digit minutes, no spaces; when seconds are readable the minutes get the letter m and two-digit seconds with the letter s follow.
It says 8h09
